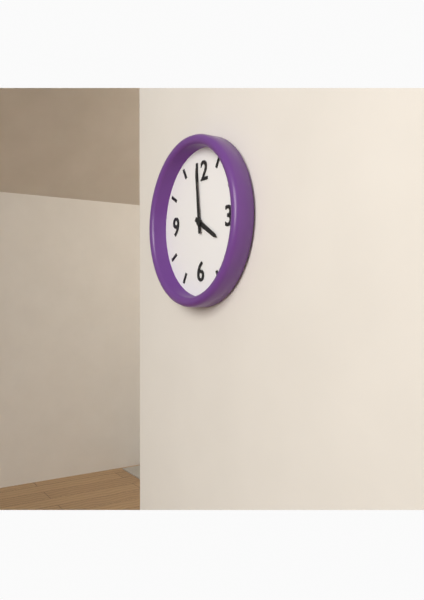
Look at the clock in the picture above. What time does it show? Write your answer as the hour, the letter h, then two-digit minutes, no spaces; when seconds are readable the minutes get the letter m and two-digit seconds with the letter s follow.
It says 3h59
